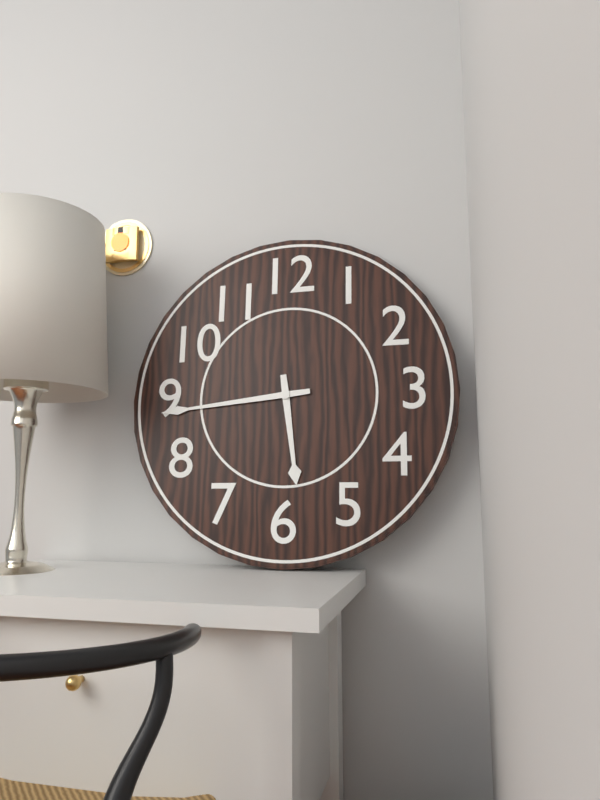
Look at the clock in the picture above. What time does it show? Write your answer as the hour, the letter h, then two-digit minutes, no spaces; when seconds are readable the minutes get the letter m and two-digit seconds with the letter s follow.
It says 5h44
